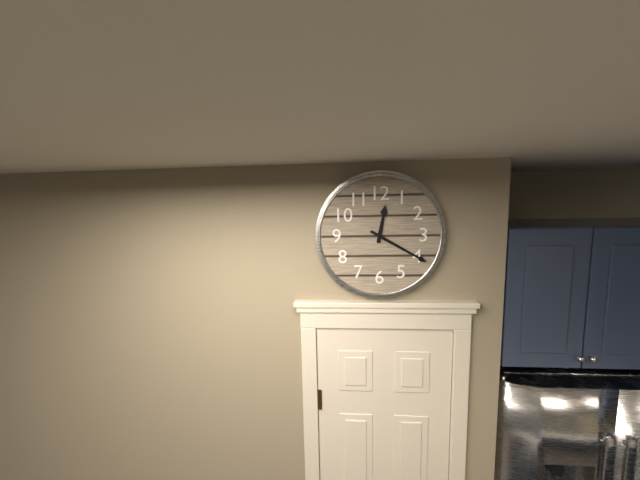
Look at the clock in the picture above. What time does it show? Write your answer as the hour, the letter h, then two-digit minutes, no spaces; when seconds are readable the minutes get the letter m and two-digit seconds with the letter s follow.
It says 12h20
